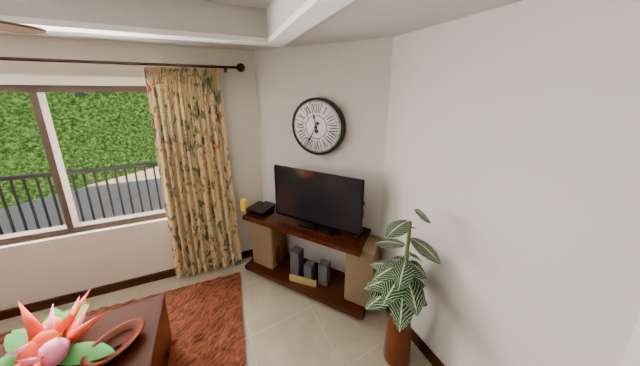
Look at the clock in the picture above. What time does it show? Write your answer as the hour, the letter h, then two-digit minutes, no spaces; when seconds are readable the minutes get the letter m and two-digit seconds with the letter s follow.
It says 11h35
